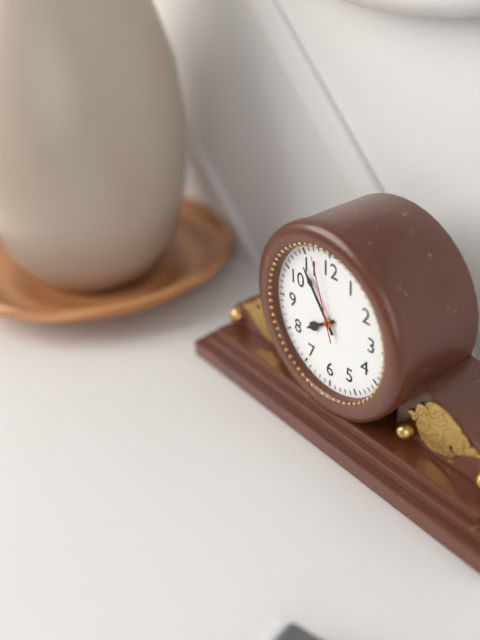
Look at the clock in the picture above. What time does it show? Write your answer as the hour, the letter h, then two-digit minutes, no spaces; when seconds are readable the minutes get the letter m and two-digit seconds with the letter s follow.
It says 7h54m57s
